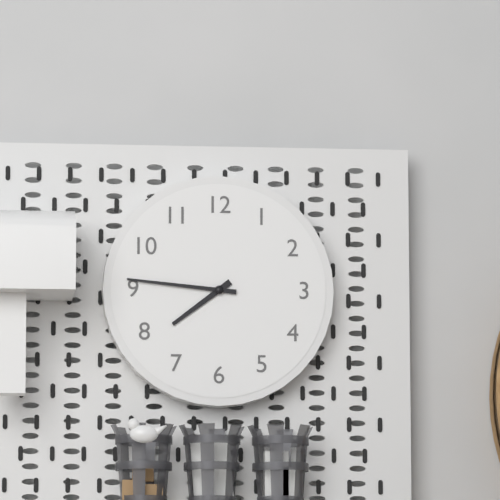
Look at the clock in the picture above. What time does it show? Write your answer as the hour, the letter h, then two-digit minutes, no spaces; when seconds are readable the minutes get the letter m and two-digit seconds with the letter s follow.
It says 7h46
